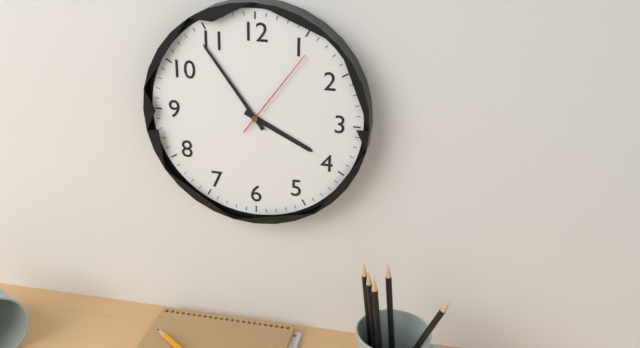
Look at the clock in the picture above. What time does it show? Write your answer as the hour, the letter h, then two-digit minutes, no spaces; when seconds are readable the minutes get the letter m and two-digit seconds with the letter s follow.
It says 3h54m06s
